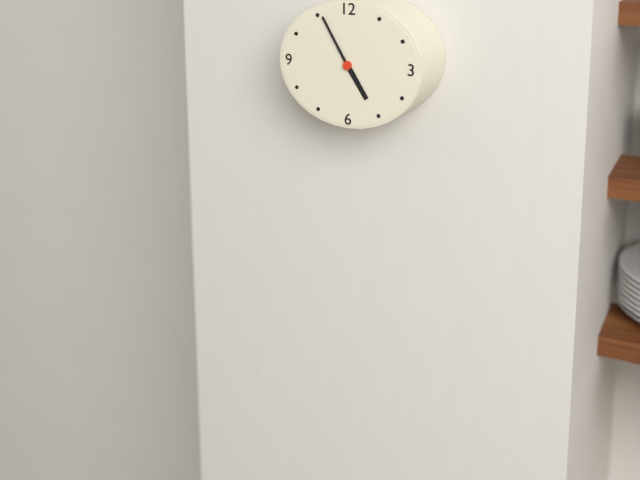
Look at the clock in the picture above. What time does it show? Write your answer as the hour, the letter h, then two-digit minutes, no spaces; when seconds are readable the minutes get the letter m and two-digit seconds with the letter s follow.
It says 4h55
